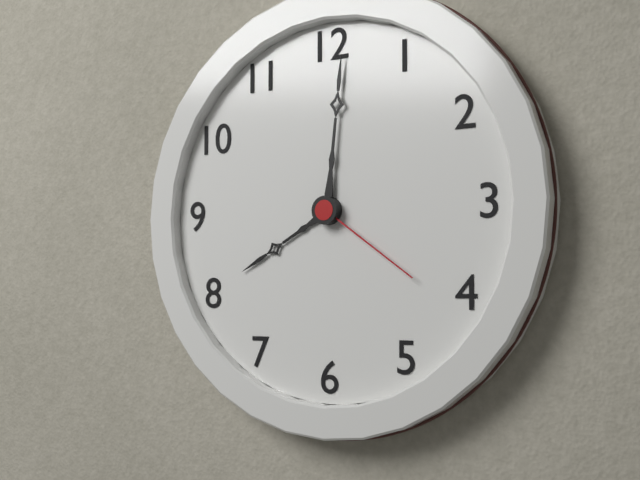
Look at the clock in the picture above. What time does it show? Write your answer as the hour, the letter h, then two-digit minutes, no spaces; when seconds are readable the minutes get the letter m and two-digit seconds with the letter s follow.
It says 8h01m21s
